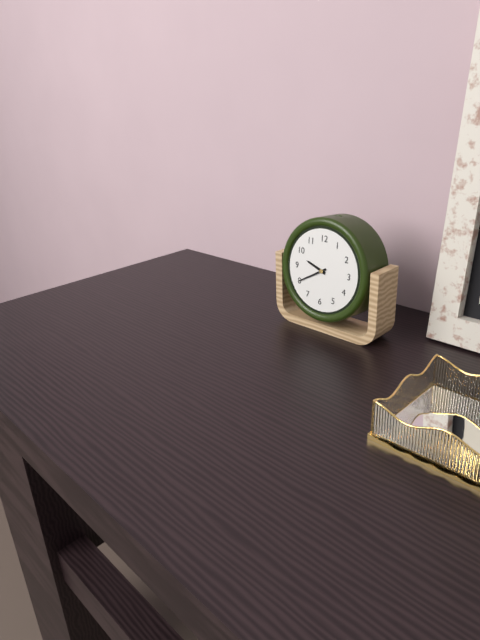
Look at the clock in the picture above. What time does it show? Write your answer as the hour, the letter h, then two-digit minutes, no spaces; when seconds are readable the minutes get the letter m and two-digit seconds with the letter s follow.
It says 9h40
